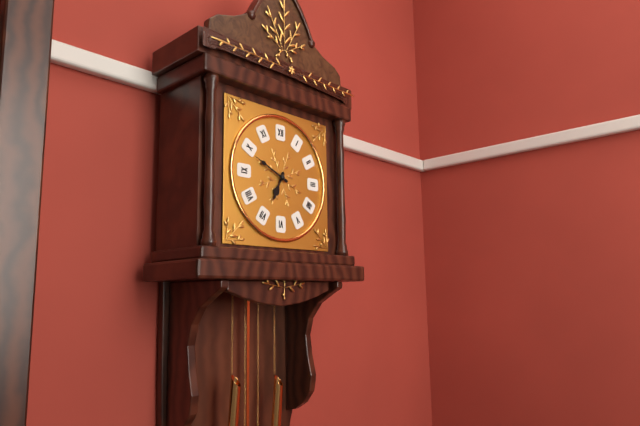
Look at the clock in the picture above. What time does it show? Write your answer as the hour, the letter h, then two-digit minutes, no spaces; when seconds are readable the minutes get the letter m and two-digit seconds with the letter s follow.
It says 6h49
